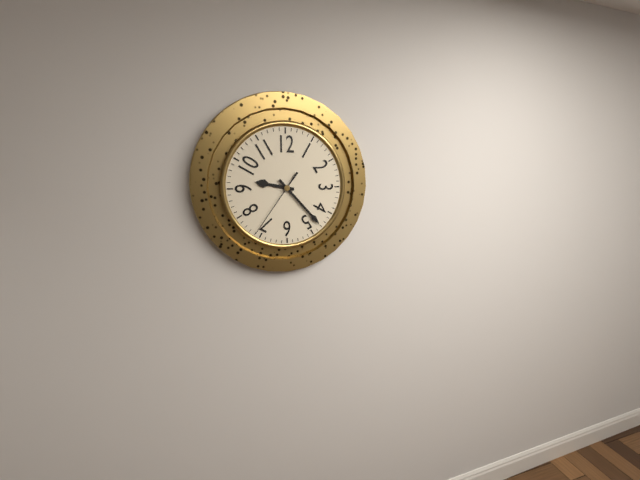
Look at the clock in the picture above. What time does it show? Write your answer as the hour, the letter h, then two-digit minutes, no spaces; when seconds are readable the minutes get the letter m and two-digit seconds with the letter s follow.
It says 9h23m36s
